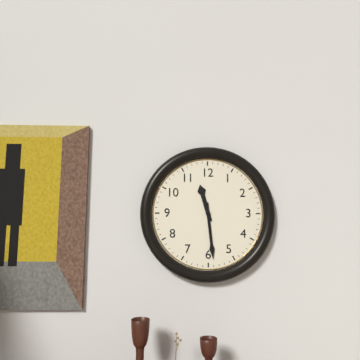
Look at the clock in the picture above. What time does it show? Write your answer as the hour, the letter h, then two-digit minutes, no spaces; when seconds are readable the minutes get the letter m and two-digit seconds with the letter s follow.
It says 11h29
